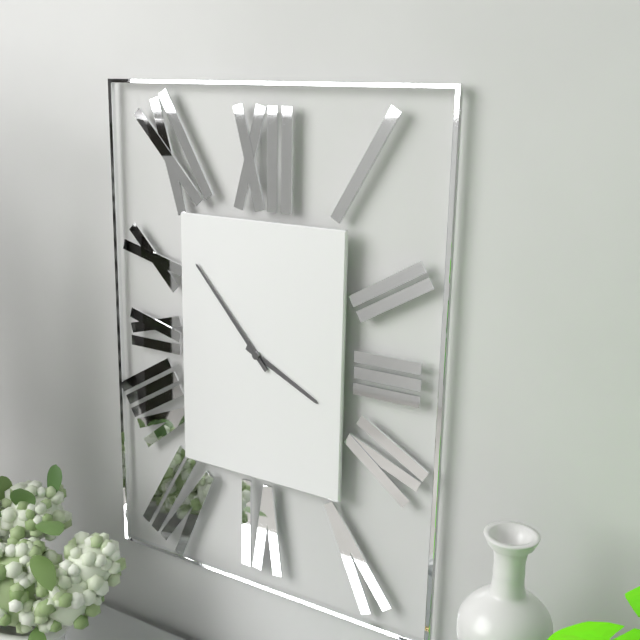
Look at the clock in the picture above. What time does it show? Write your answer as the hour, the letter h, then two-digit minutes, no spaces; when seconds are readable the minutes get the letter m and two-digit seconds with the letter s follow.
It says 3h53
